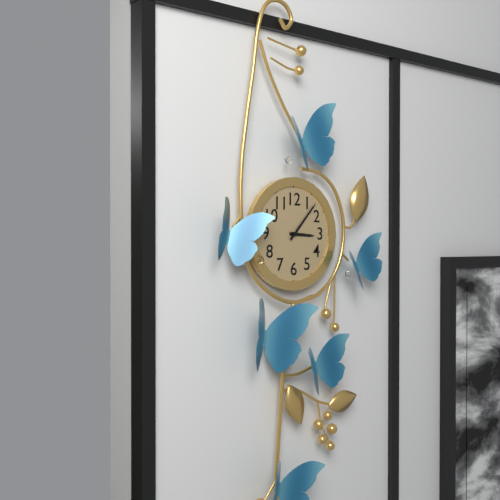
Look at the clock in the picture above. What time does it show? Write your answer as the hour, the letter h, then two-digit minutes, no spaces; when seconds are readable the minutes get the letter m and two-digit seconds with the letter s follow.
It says 3h07
